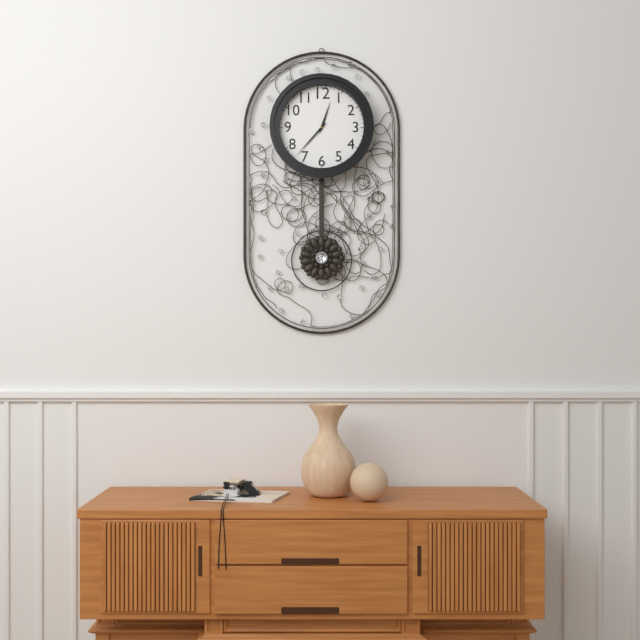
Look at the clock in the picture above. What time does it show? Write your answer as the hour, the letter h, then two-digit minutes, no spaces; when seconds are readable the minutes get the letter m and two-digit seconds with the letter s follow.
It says 12h37
